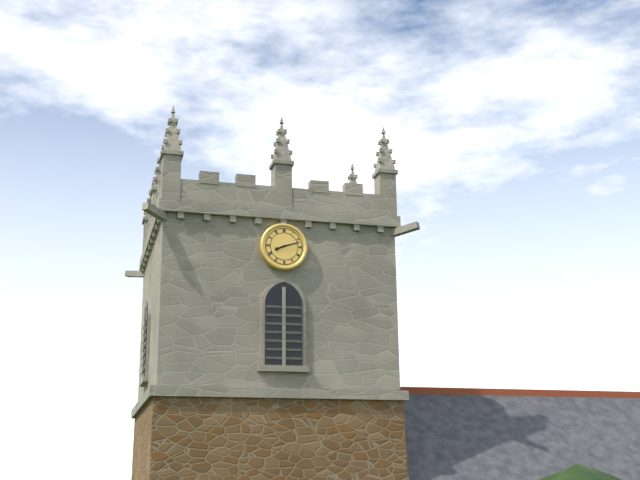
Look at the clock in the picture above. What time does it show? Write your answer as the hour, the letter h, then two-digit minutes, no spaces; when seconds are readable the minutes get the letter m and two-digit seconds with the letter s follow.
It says 8h12
